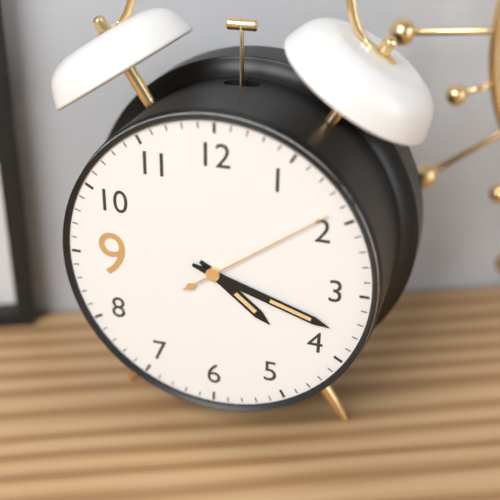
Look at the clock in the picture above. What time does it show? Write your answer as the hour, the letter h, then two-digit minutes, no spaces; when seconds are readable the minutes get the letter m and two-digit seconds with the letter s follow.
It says 4h18m09s
